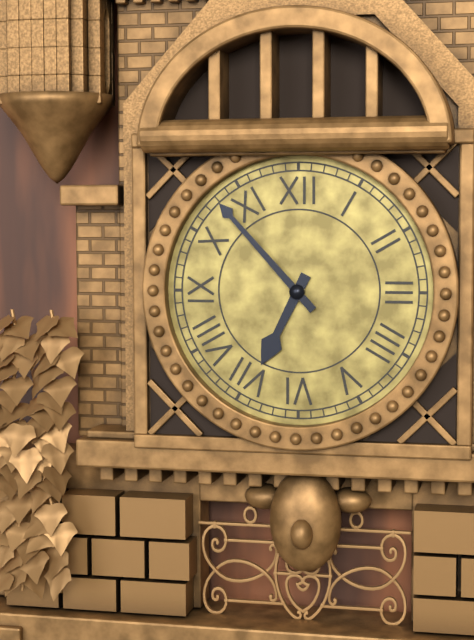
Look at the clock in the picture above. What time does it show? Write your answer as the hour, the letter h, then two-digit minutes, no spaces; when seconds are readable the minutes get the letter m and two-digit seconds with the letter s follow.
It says 6h53
